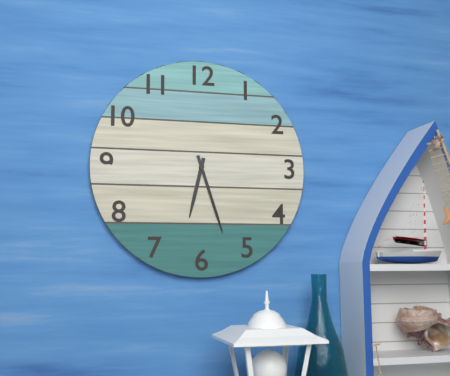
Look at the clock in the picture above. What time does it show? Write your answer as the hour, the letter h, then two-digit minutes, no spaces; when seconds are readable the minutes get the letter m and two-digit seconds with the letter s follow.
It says 6h27
